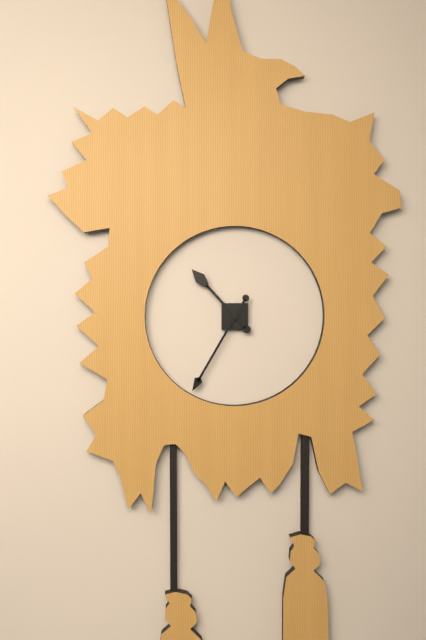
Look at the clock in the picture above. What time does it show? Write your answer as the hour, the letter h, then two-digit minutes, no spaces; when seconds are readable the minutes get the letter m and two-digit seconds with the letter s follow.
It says 10h35
